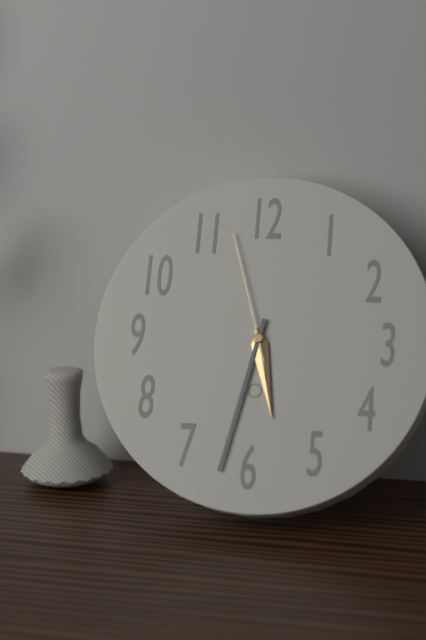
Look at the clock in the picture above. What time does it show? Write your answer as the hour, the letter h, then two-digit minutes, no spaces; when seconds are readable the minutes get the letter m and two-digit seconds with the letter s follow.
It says 5h32m57s
